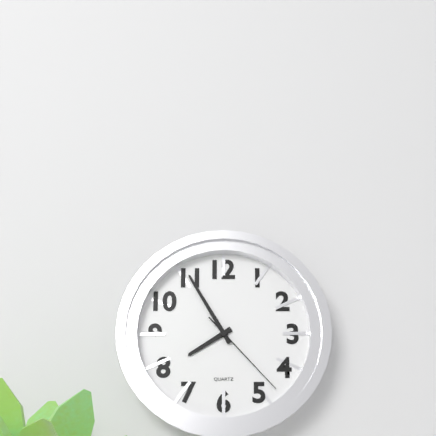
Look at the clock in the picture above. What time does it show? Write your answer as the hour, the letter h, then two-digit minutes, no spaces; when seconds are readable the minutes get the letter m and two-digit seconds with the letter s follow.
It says 7h55m23s
